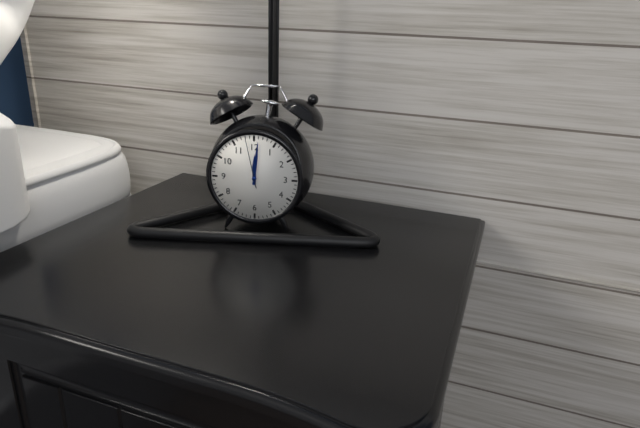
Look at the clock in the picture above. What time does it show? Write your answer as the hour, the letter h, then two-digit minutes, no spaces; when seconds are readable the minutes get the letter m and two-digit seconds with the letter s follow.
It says 12h01m58s
